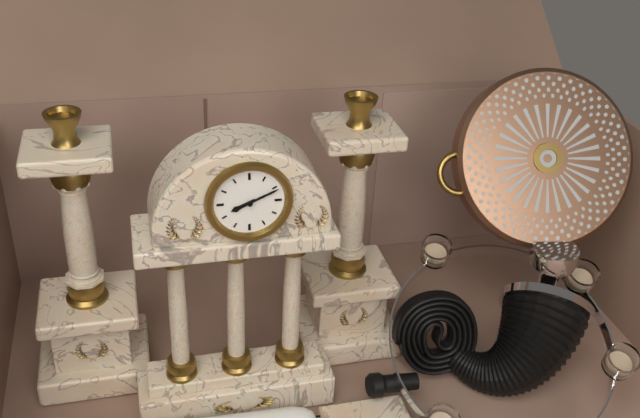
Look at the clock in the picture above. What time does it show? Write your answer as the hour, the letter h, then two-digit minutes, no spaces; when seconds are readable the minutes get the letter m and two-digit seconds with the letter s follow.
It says 8h11
